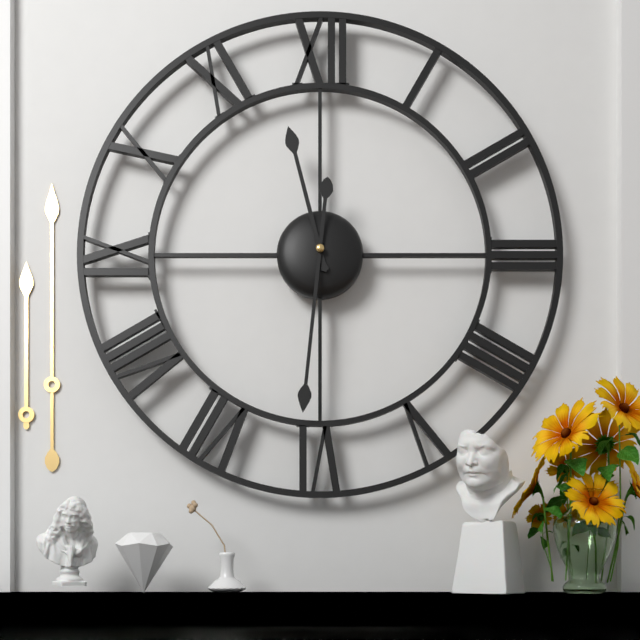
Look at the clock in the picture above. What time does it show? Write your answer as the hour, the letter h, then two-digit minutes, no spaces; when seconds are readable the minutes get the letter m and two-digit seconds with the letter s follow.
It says 11h31
